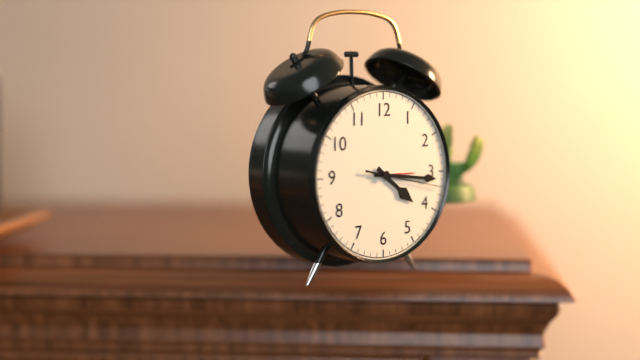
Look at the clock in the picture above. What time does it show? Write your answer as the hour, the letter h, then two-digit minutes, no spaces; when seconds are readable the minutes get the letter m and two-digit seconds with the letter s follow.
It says 4h16m17s
